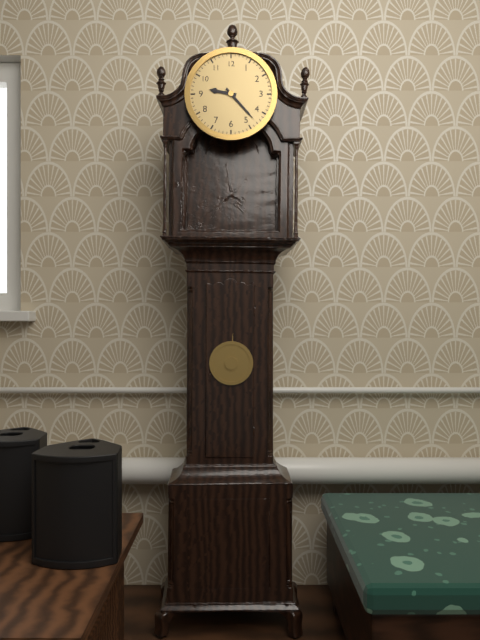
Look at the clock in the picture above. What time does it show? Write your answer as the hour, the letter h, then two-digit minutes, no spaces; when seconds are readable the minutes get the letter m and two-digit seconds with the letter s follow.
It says 9h23
